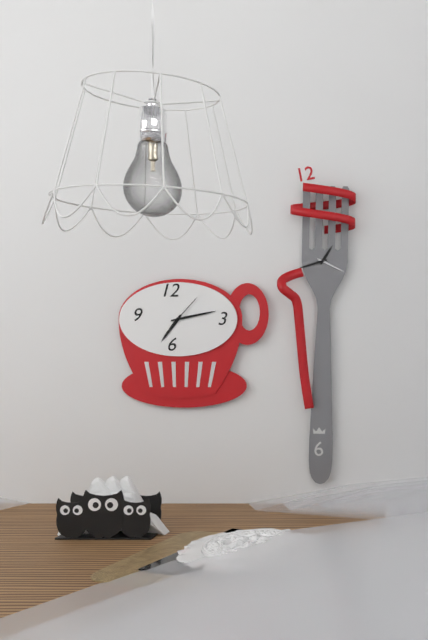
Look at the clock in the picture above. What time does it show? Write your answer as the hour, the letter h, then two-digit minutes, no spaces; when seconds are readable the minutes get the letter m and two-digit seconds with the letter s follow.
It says 7h13
